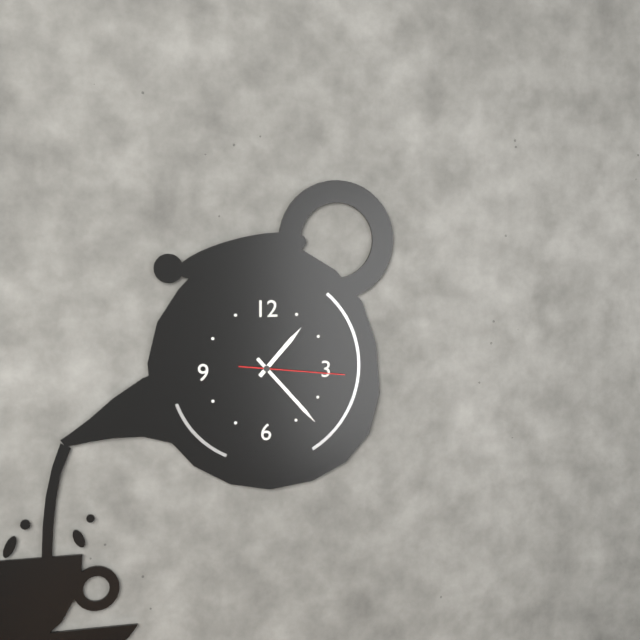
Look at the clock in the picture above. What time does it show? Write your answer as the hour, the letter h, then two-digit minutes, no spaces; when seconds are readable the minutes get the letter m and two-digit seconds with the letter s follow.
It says 1h23m16s
